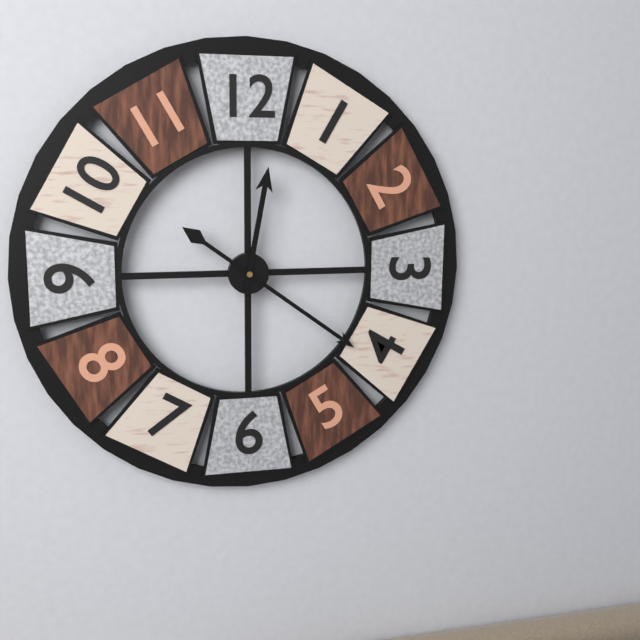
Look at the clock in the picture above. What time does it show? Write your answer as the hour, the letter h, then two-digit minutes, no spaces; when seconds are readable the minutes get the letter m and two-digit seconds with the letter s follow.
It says 12h21
